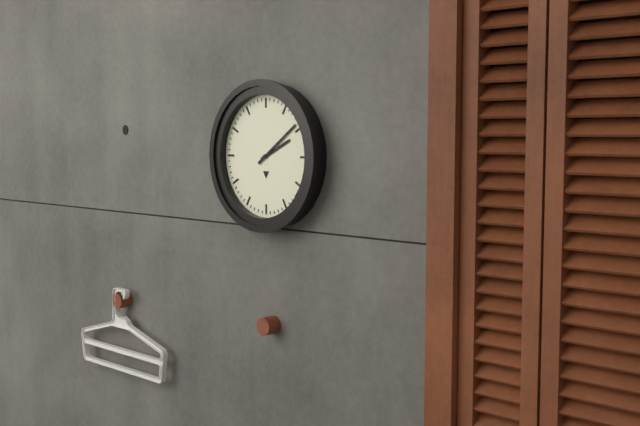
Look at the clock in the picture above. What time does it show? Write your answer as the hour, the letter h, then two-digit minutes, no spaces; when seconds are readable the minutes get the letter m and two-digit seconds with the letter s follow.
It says 2h09
